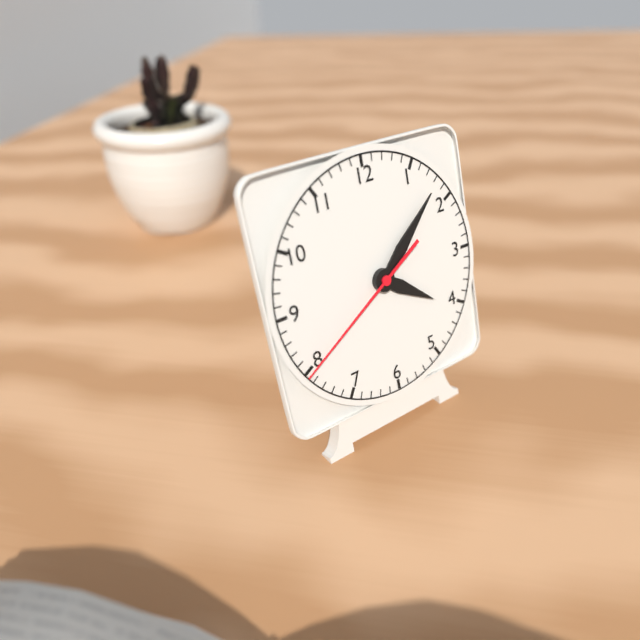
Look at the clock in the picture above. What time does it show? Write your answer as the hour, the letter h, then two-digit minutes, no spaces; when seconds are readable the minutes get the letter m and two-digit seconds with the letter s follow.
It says 4h08m40s
